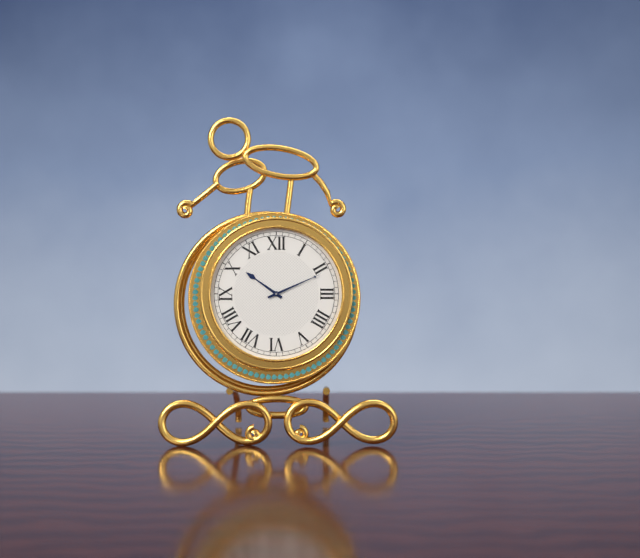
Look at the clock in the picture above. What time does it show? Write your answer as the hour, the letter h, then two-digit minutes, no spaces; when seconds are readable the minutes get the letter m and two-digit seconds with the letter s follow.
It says 10h11
